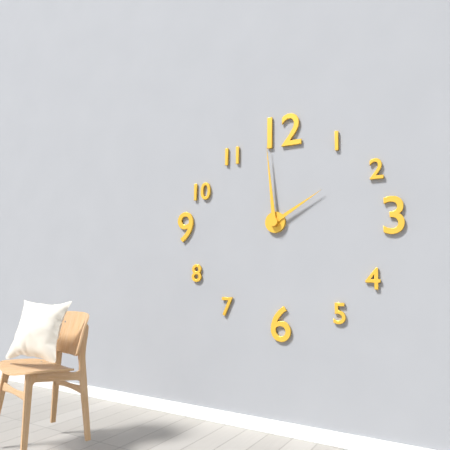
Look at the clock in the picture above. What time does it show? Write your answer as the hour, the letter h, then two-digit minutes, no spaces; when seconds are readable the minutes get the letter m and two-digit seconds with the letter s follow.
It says 1h59
